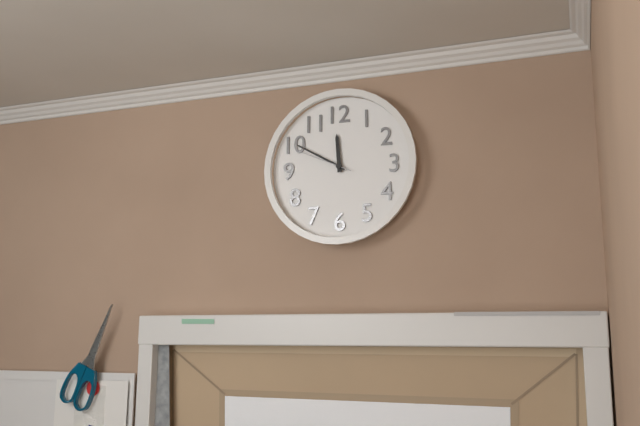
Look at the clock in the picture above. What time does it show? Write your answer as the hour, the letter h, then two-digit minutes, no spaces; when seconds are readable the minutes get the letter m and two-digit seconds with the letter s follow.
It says 11h50m49s
